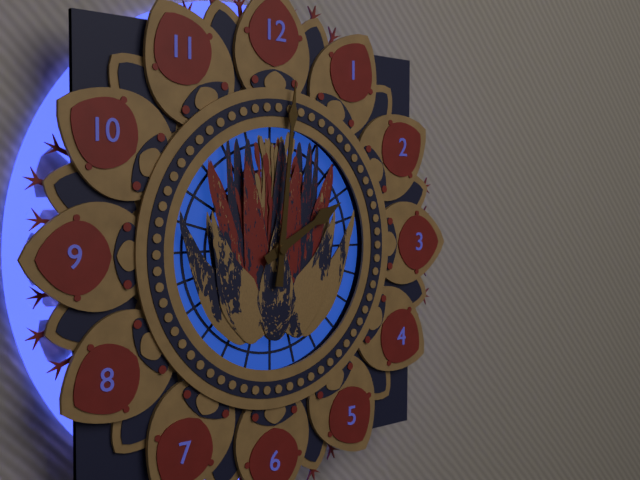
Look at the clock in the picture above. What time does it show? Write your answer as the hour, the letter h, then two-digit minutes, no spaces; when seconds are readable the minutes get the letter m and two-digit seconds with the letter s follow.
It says 2h01
